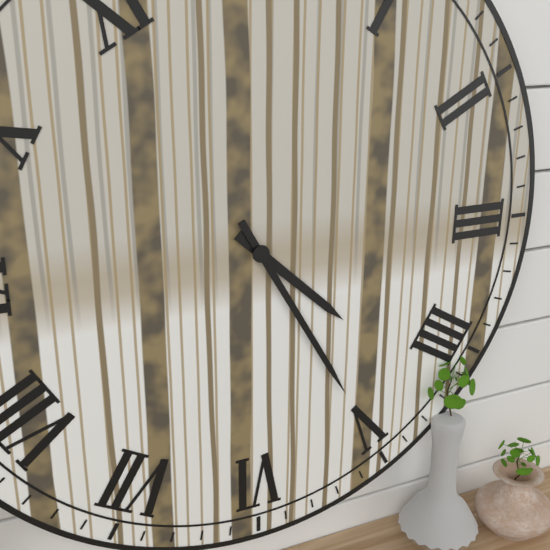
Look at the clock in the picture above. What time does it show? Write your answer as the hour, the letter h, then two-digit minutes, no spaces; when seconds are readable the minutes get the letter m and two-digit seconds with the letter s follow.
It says 4h25
